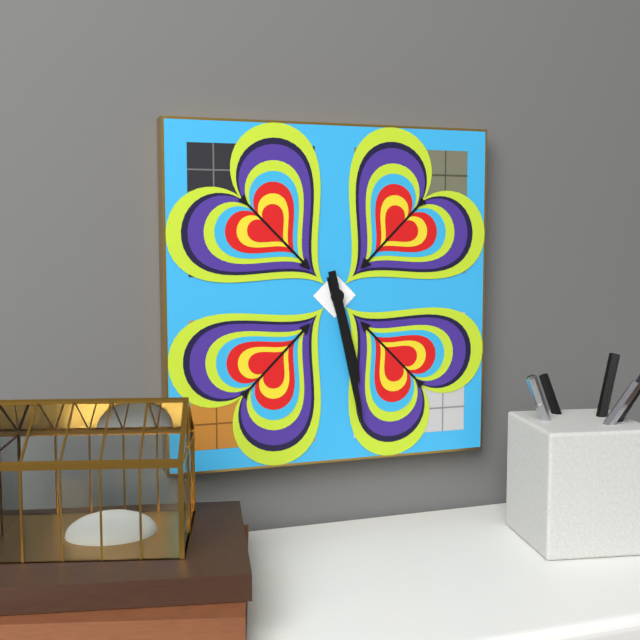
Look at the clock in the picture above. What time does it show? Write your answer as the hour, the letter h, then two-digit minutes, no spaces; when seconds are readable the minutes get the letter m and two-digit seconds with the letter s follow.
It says 5h28
